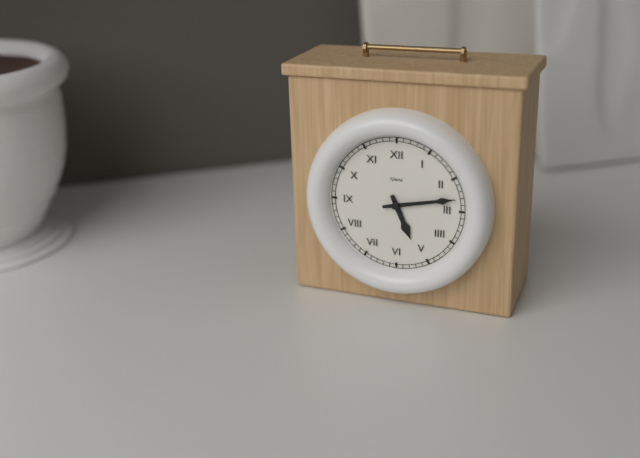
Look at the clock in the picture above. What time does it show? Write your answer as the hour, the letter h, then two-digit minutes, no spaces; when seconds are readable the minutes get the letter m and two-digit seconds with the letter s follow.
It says 5h13
